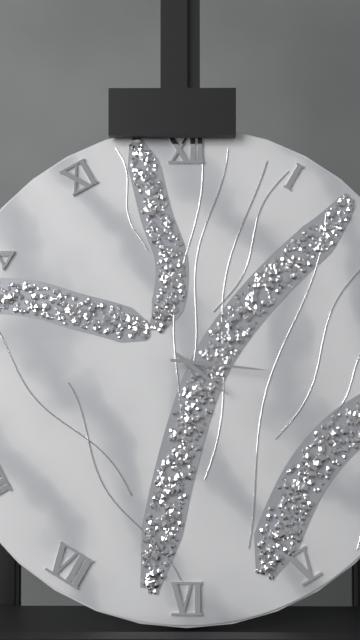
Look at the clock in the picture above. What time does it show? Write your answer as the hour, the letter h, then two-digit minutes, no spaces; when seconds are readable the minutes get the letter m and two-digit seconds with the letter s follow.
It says 4h16
